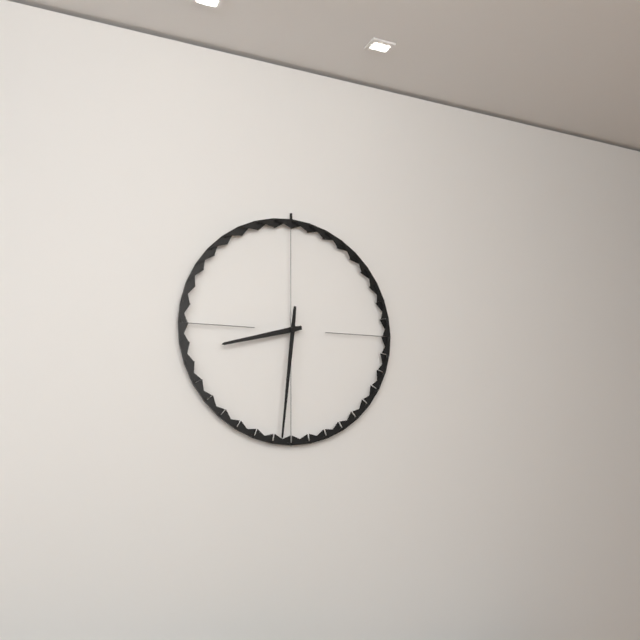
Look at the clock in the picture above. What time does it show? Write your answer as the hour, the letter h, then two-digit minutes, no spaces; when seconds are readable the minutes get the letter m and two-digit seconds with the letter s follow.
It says 8h31
